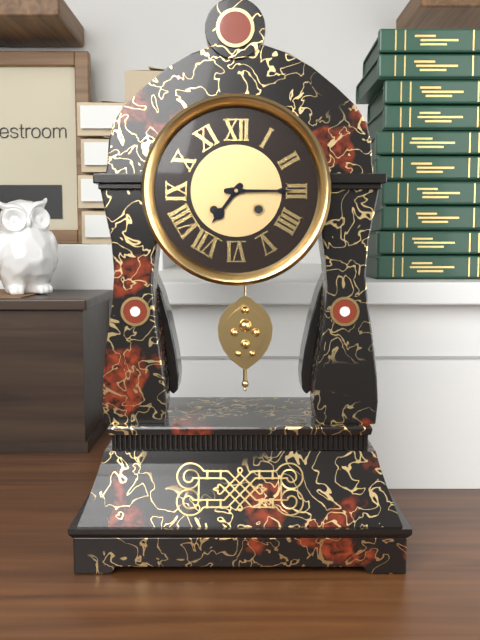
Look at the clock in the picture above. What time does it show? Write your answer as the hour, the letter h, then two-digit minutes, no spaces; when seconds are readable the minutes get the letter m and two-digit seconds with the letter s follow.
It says 7h15
